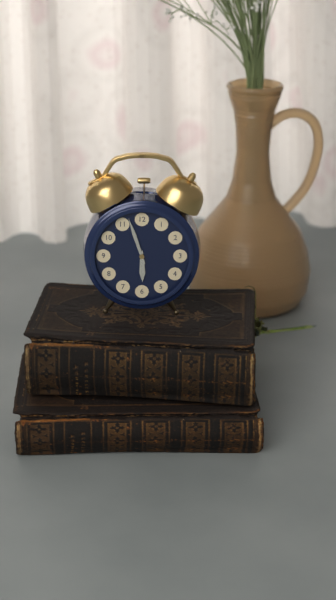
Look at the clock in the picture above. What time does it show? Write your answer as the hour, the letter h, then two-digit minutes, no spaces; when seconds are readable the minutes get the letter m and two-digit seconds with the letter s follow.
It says 5h57
